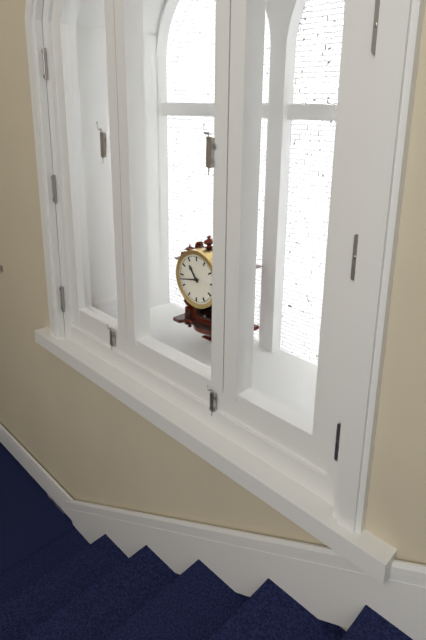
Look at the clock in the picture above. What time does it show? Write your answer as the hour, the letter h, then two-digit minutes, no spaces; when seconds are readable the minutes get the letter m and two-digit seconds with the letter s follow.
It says 10h43
